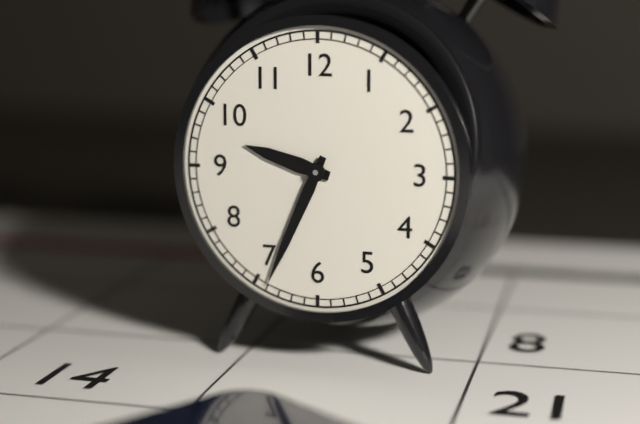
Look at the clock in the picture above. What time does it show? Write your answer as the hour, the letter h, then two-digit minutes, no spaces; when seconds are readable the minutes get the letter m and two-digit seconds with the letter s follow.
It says 9h34
